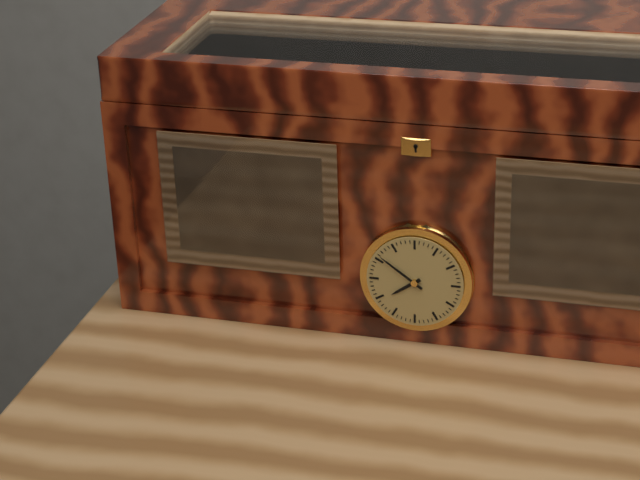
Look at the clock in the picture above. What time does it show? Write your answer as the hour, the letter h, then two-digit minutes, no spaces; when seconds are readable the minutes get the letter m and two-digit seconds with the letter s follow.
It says 7h51
